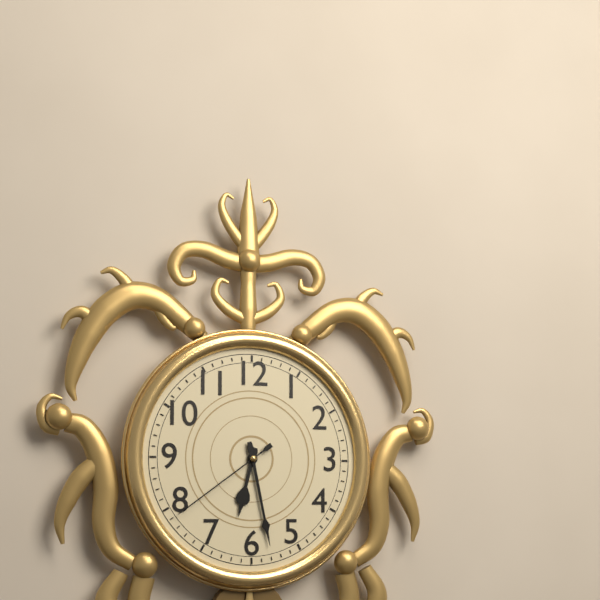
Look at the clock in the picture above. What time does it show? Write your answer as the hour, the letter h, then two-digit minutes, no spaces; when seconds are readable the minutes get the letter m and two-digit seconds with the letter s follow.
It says 6h28m39s
